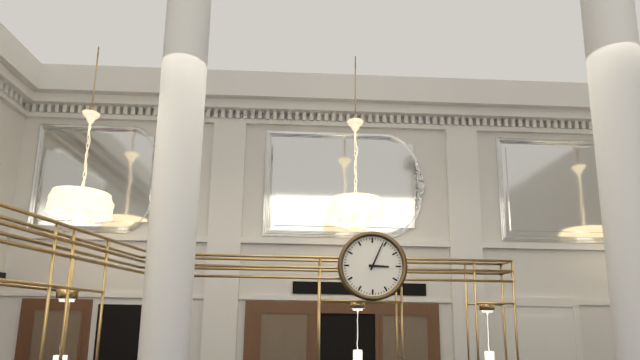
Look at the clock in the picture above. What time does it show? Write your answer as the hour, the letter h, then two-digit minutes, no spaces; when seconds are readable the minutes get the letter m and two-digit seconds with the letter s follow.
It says 3h04
